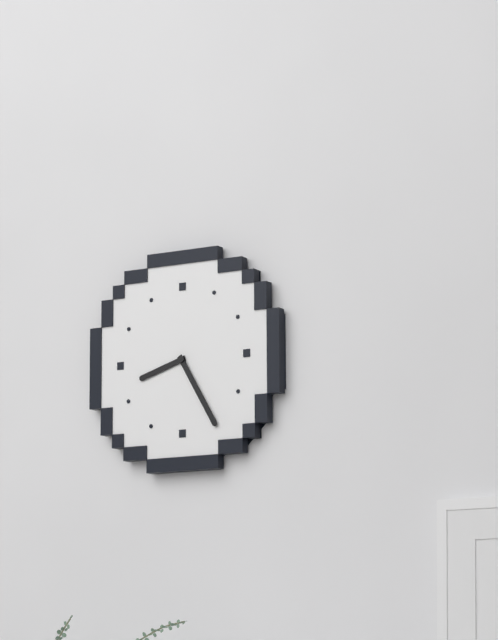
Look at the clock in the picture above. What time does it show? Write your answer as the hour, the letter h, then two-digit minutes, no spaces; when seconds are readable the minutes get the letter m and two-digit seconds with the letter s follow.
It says 8h25
